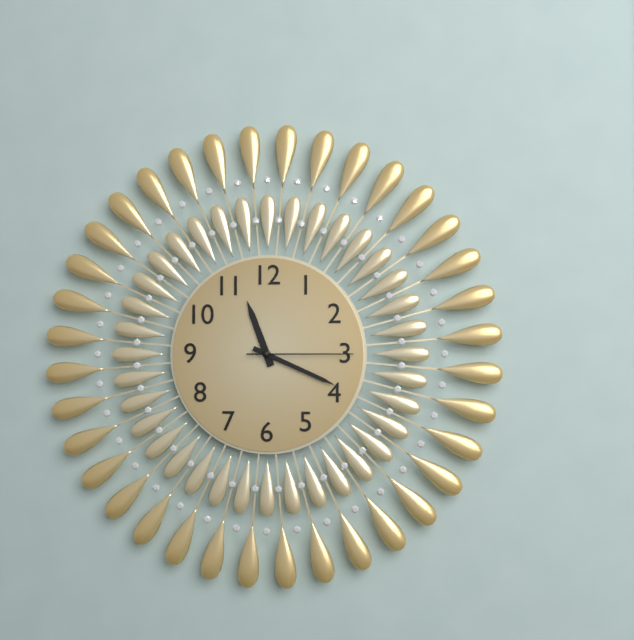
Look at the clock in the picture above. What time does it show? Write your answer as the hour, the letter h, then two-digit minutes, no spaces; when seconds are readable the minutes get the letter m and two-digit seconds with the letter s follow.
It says 11h19m15s
